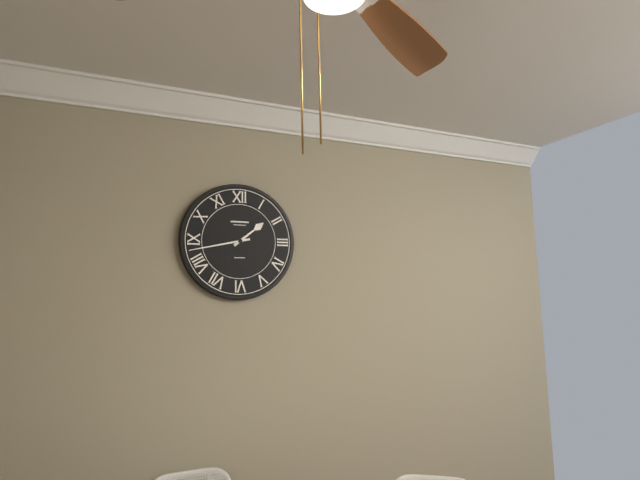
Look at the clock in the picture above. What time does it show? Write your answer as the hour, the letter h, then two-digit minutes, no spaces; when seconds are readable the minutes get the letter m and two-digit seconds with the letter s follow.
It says 1h43
